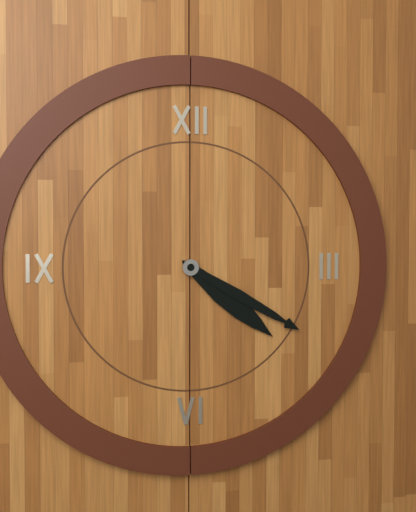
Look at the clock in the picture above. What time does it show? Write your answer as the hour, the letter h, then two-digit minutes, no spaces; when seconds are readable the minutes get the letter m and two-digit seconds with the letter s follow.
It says 4h20
